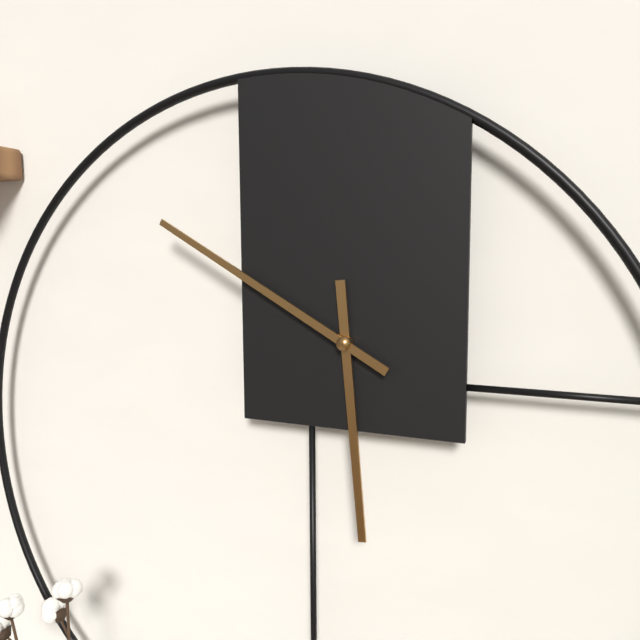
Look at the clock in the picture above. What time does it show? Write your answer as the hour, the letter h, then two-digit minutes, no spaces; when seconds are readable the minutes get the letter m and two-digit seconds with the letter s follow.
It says 5h50
